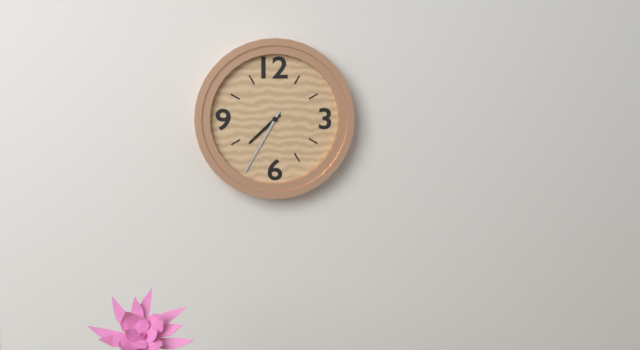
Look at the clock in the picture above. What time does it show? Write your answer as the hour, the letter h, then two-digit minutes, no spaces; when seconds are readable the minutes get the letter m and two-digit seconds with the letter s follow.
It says 7h35
